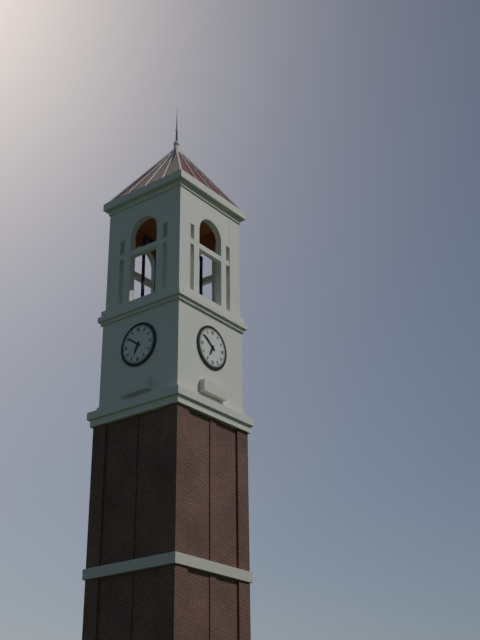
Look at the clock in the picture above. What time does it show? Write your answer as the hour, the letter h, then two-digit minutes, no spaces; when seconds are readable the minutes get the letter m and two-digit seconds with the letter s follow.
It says 6h51
